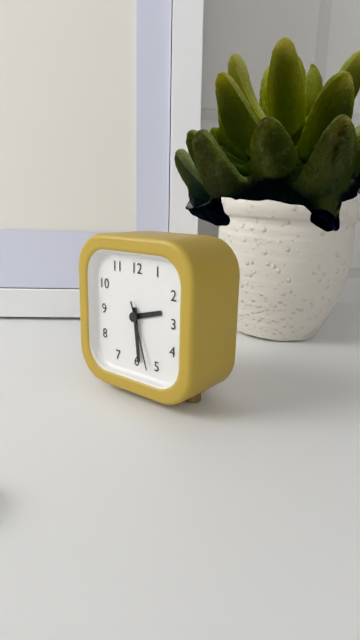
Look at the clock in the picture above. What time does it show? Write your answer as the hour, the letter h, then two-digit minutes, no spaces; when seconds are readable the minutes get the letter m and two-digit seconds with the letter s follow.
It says 2h29m27s
